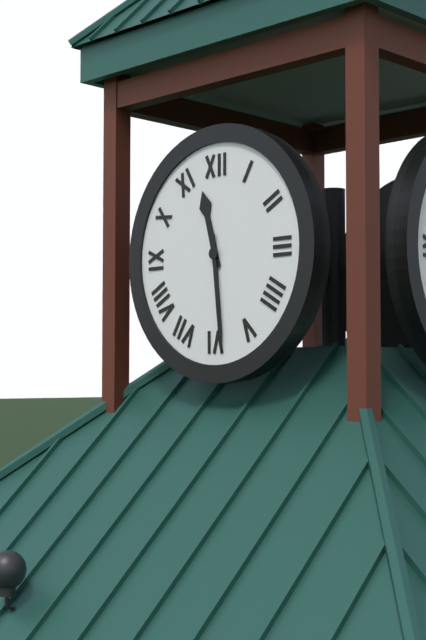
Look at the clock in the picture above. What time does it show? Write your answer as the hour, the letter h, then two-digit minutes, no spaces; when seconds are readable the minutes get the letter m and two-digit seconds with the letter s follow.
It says 11h29
